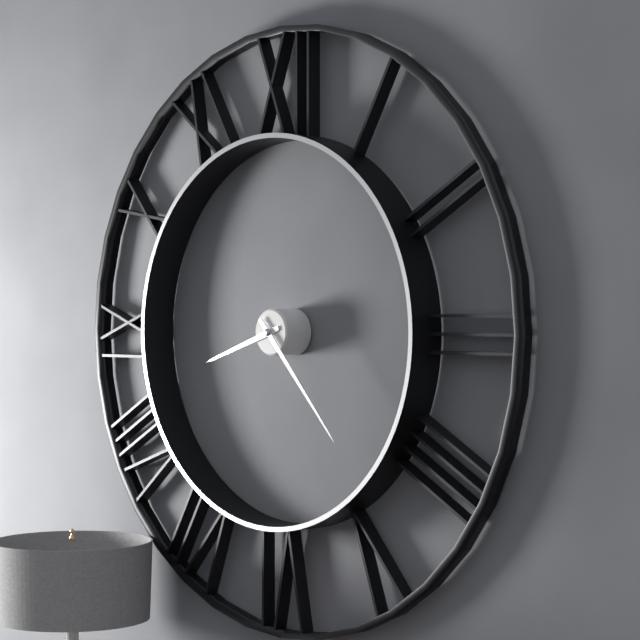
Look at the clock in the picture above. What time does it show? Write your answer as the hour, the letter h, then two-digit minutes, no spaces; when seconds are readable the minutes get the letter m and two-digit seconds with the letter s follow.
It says 8h23
